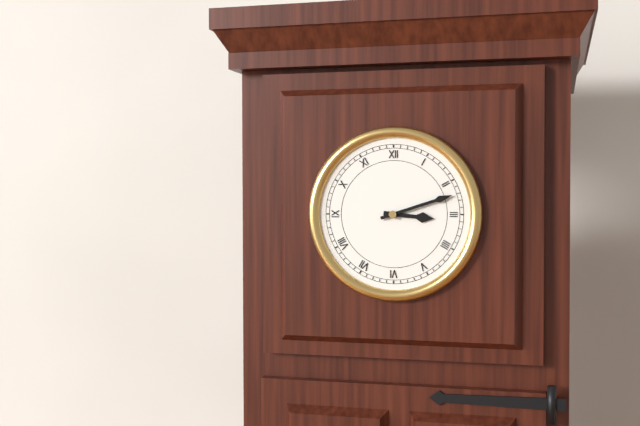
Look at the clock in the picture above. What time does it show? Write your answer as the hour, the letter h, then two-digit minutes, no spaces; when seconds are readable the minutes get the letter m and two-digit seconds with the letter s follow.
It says 3h12
